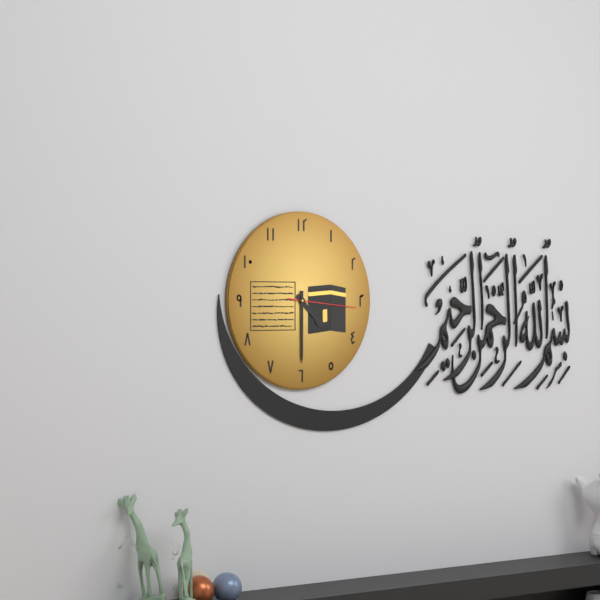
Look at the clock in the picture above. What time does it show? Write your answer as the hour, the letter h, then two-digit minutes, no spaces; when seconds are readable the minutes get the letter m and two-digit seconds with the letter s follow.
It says 4h30m16s
